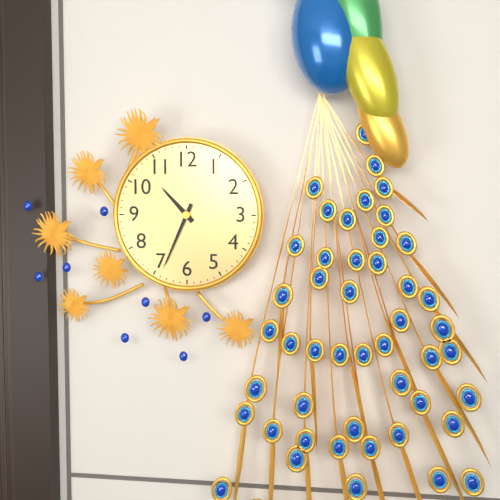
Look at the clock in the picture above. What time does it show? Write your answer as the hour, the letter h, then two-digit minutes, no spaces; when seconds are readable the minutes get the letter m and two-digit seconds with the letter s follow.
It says 10h34
